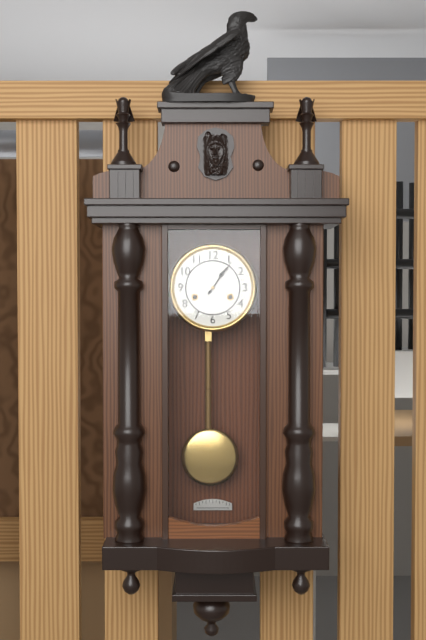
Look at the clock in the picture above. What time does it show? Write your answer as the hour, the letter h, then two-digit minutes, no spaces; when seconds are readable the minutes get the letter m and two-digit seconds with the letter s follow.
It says 1h06
